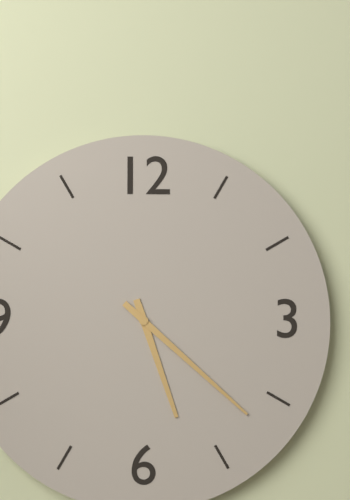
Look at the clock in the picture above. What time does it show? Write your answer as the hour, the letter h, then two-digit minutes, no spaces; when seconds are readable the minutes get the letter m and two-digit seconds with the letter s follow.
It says 5h22
